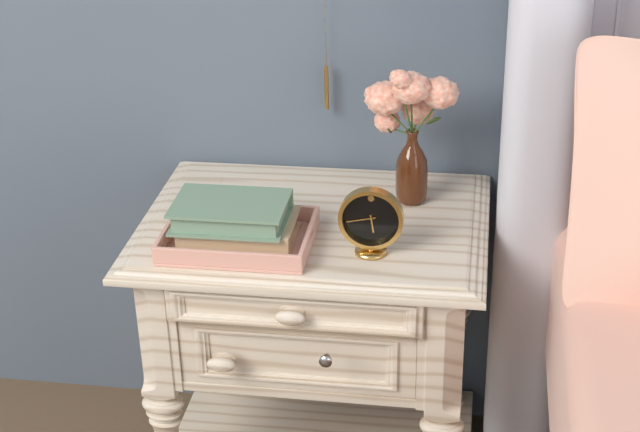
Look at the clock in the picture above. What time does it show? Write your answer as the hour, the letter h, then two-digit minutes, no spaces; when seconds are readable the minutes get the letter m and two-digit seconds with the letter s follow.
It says 5h43
